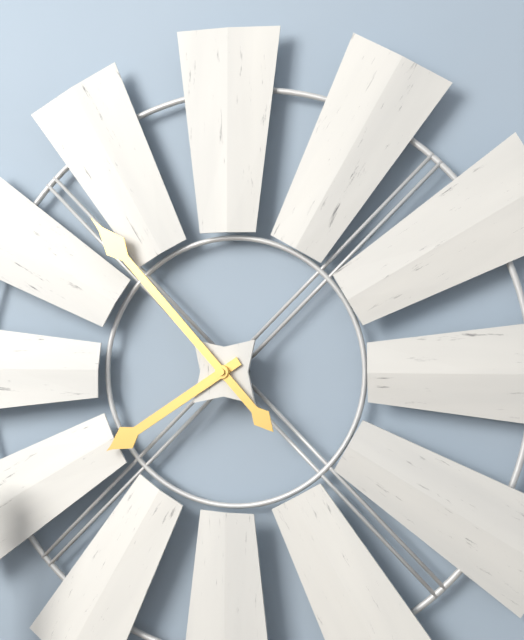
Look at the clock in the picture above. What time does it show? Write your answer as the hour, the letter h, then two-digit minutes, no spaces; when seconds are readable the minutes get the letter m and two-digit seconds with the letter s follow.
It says 7h53
